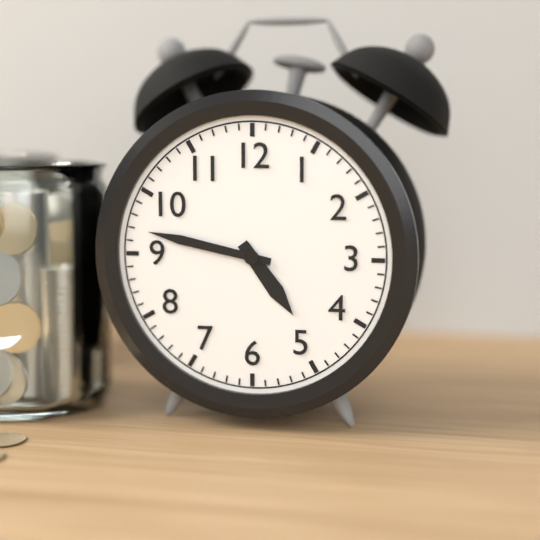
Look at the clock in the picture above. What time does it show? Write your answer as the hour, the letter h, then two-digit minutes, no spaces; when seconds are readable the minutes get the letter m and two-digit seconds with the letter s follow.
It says 4h47
